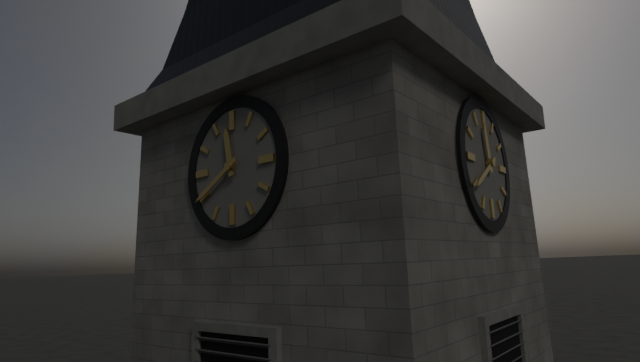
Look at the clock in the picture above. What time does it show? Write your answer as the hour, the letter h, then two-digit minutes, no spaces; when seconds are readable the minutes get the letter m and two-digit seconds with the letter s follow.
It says 11h40
